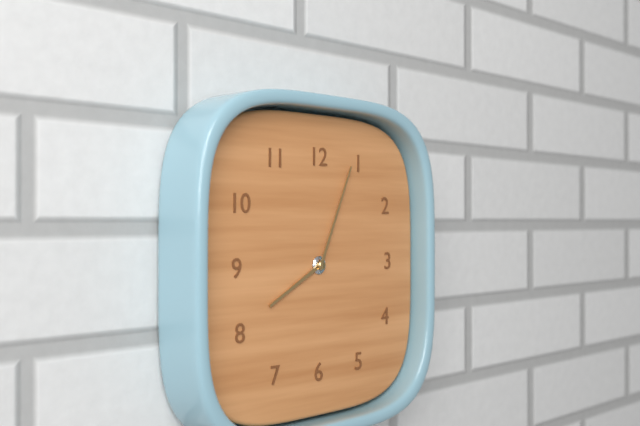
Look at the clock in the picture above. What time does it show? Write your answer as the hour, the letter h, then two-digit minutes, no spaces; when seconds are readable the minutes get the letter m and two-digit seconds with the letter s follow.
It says 8h04
